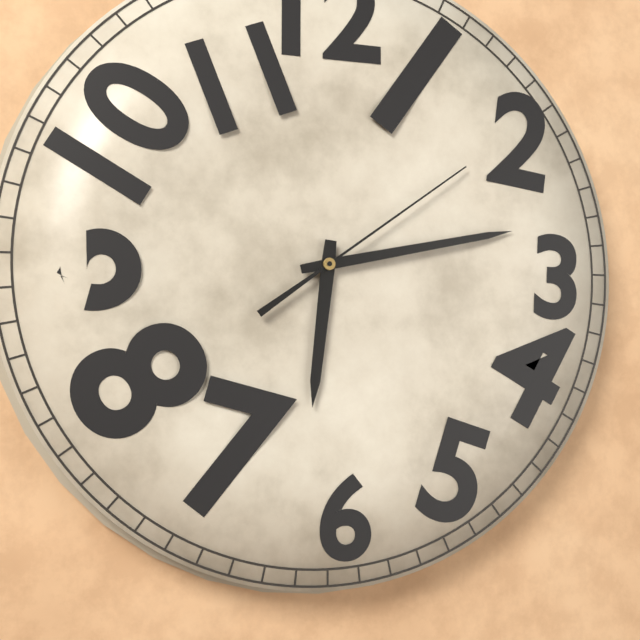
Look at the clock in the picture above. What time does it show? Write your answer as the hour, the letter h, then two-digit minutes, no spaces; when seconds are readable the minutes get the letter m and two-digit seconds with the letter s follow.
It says 6h13m09s
